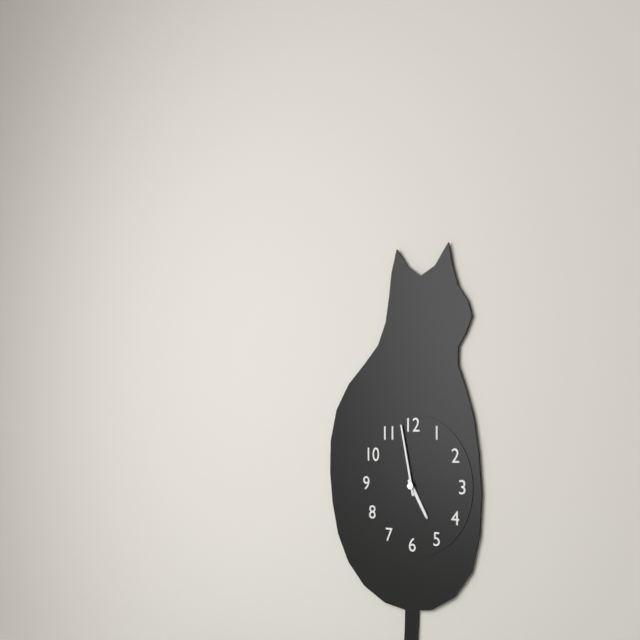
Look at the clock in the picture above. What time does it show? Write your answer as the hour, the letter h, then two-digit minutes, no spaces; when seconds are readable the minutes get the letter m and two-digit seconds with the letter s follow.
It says 4h58
